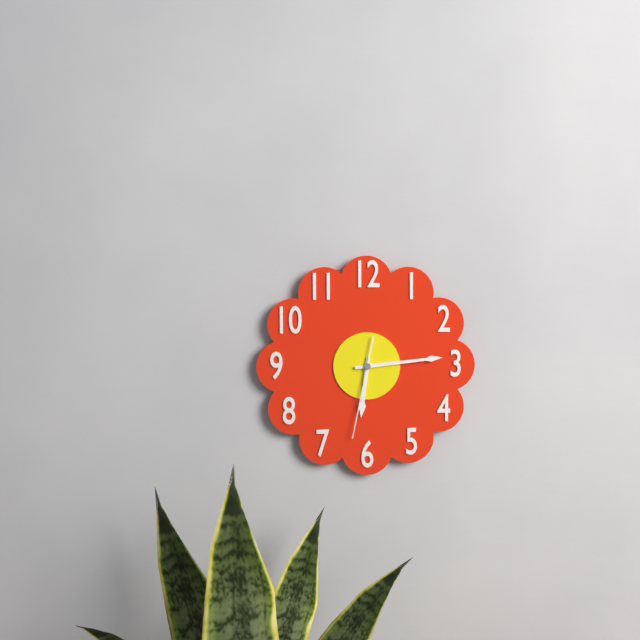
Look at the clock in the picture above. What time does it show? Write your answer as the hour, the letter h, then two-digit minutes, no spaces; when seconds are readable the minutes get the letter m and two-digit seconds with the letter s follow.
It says 6h14m32s
